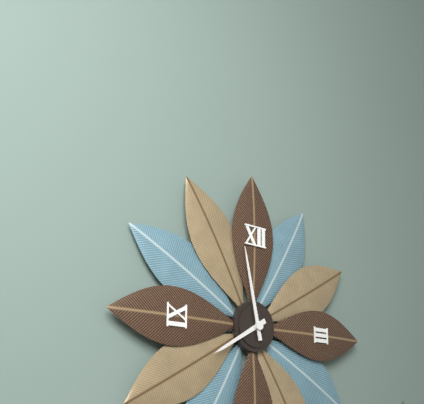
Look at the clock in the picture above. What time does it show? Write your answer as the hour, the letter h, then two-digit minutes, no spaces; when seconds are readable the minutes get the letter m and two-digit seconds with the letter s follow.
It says 7h58
